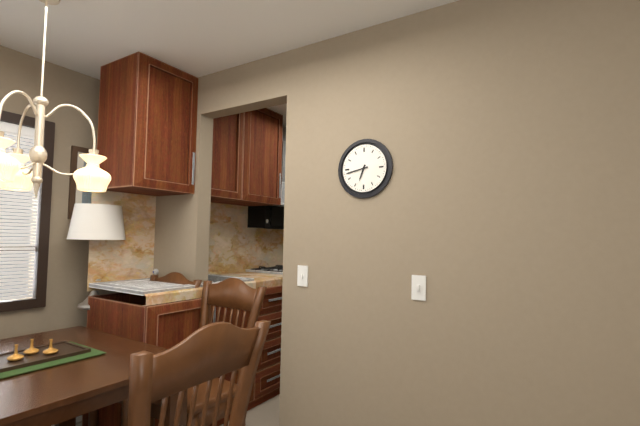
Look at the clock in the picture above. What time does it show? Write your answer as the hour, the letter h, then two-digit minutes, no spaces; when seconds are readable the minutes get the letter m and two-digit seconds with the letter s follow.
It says 6h43
